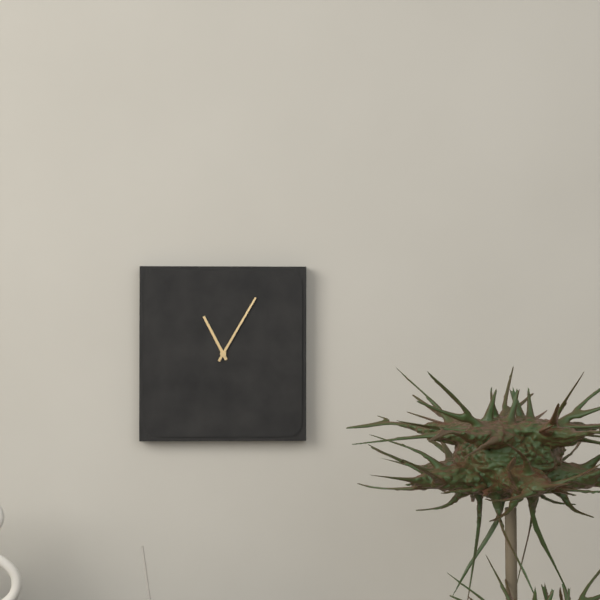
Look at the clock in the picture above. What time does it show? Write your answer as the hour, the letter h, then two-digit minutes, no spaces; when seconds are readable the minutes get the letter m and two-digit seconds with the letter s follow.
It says 11h05
